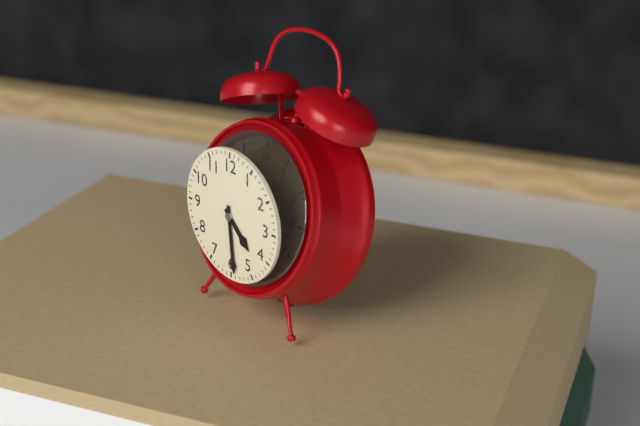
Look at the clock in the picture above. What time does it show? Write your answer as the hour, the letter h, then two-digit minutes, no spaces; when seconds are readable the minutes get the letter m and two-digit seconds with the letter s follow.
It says 4h29
